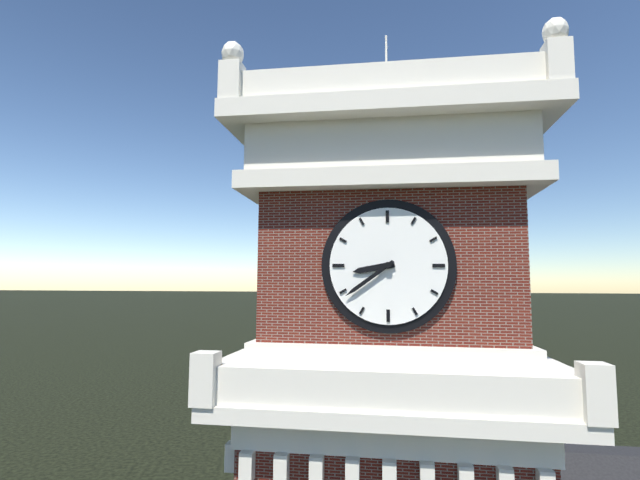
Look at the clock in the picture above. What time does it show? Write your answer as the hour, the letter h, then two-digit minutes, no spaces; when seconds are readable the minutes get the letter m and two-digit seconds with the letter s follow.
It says 8h39
